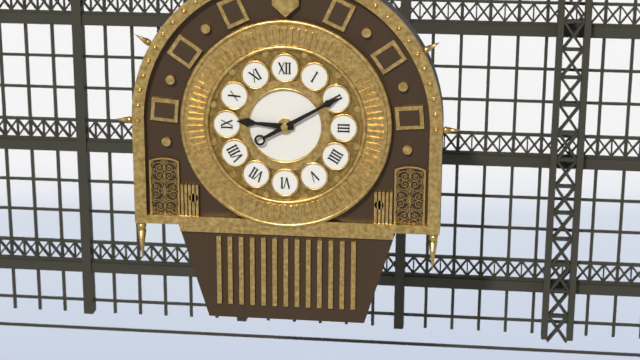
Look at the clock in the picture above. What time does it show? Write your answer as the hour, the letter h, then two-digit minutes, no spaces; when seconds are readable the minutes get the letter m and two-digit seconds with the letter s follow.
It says 9h10
